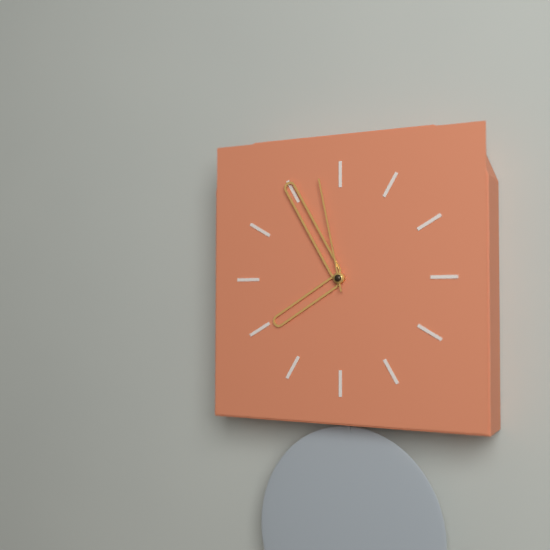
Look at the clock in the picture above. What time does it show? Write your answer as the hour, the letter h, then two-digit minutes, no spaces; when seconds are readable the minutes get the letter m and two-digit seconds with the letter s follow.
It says 7h55m58s
